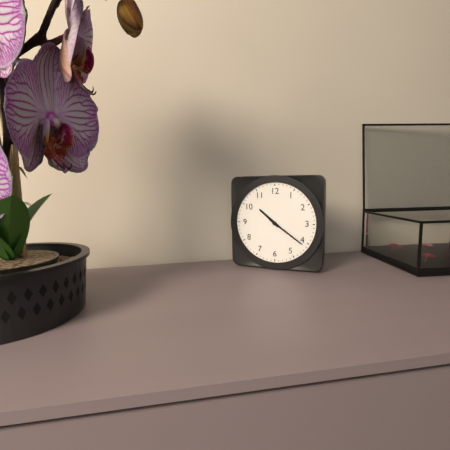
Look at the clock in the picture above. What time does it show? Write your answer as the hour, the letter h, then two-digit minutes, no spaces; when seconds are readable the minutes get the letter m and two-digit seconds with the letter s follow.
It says 10h21
